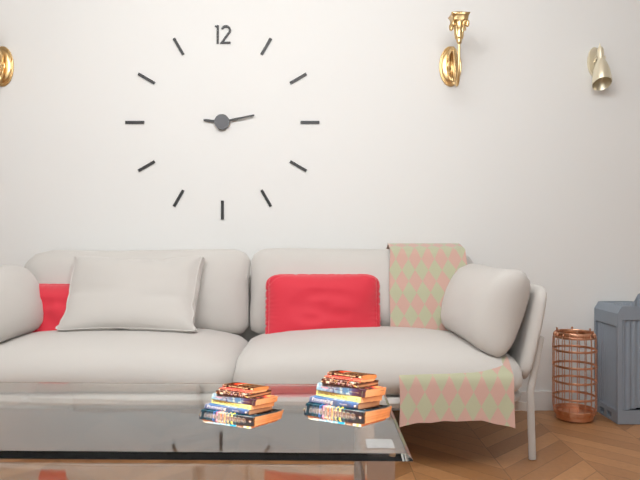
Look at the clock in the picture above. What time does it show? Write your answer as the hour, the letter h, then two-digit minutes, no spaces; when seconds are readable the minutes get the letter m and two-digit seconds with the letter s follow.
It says 9h13
